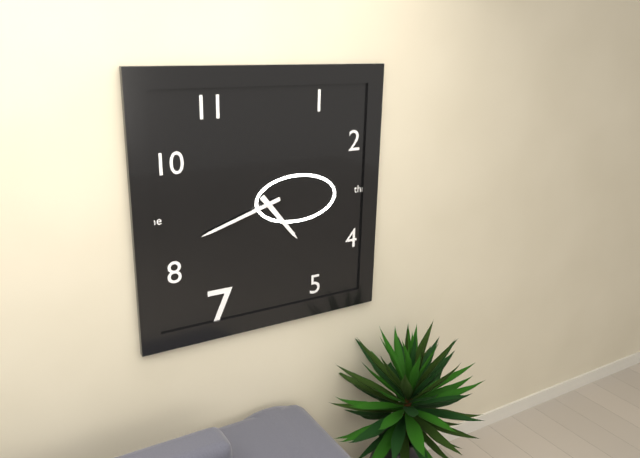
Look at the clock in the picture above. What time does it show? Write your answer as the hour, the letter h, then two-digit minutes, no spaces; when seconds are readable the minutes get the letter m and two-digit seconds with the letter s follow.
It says 4h42
